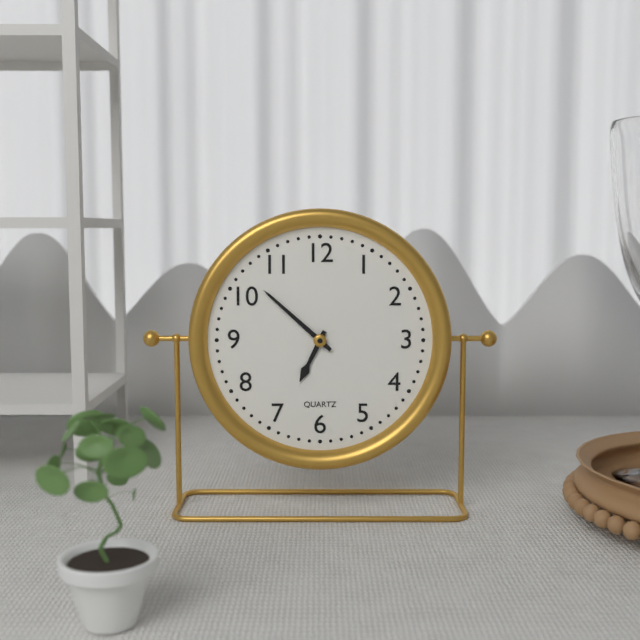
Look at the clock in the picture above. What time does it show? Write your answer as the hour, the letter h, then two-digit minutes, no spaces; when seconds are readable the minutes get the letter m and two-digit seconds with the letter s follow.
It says 6h52
